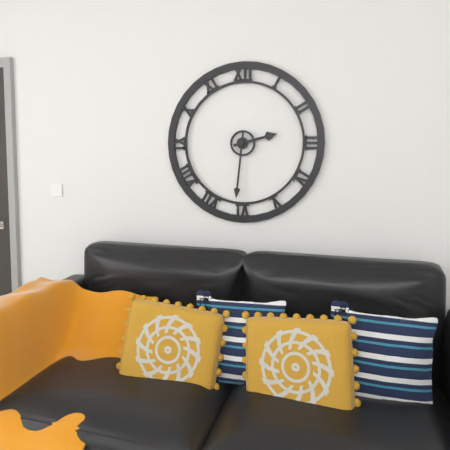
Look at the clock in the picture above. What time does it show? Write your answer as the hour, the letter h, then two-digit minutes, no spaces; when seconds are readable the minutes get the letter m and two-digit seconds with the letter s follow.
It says 2h31
